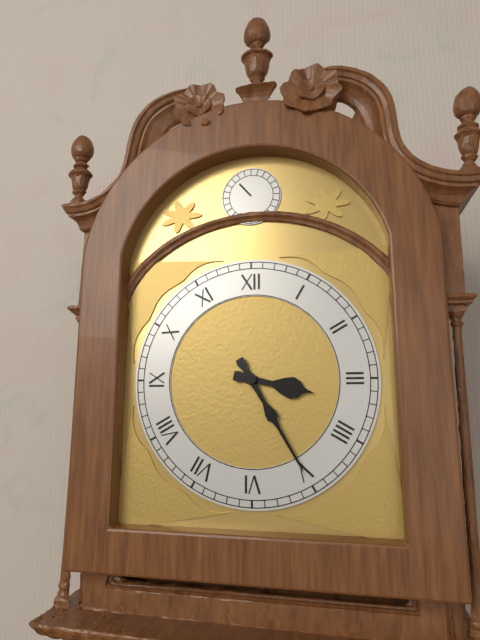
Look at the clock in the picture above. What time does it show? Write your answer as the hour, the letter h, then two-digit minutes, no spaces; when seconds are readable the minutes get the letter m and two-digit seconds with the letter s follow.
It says 3h25
